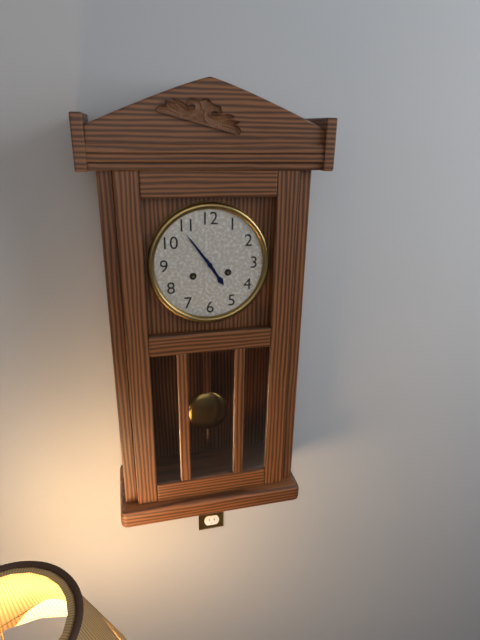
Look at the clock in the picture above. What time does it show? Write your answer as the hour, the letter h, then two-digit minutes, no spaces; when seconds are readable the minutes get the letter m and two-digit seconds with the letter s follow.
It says 4h54
